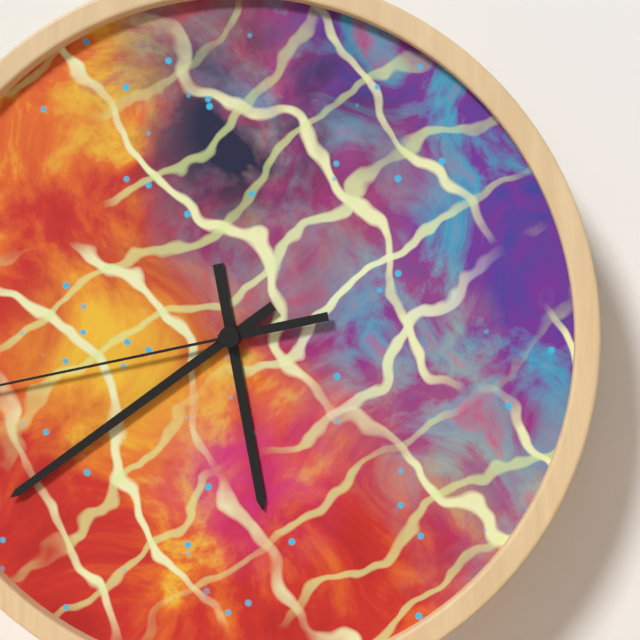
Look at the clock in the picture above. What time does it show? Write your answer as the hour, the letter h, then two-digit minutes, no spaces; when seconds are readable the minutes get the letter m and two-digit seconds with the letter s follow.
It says 5h39
